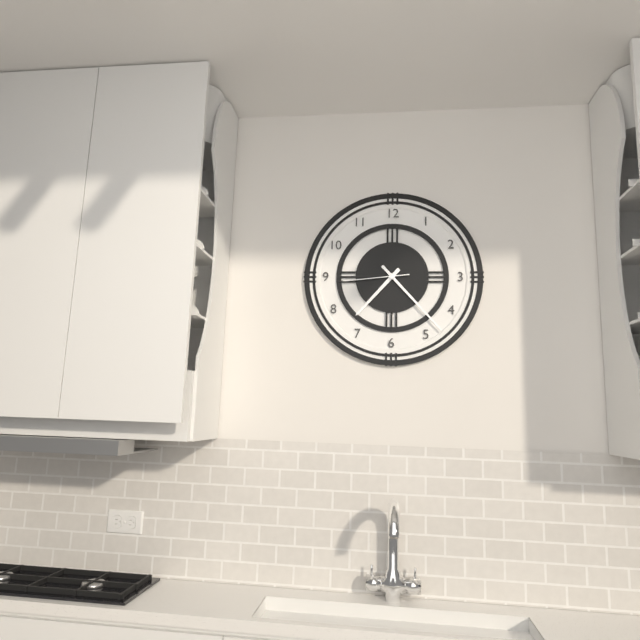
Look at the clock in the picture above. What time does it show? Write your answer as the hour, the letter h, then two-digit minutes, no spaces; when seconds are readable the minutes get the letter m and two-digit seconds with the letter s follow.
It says 7h23m44s
